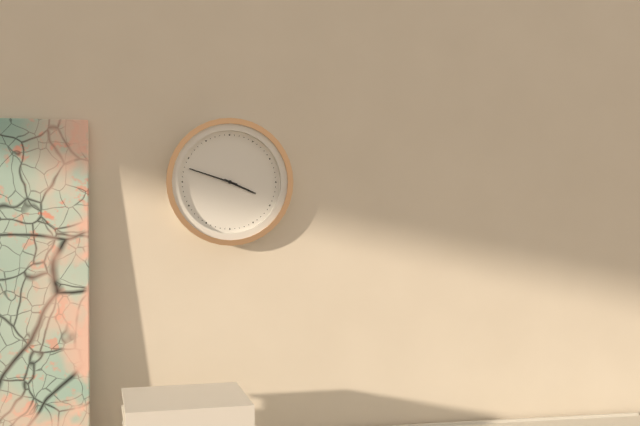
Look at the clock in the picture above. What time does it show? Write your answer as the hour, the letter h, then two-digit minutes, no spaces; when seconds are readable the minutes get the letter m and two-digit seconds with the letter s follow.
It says 3h48
